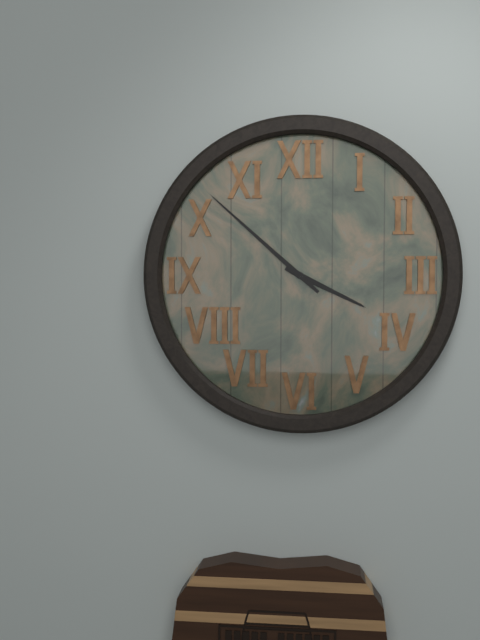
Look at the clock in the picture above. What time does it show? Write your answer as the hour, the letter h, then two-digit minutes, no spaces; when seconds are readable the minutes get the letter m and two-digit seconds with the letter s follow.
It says 3h52
